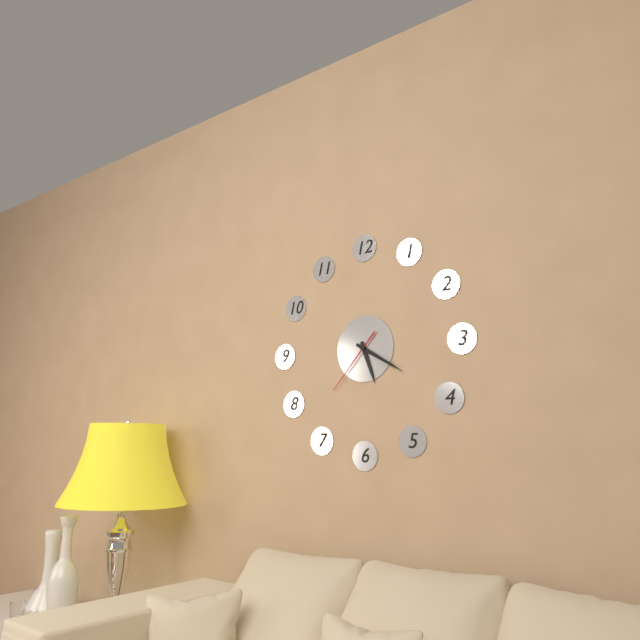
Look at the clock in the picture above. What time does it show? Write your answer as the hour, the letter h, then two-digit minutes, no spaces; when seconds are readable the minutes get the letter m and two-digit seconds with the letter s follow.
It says 5h20m37s
